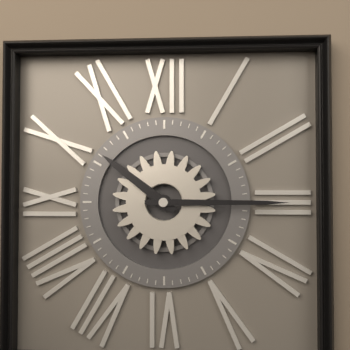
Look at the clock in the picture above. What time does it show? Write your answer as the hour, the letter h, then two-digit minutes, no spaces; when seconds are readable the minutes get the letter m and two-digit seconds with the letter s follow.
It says 10h15
